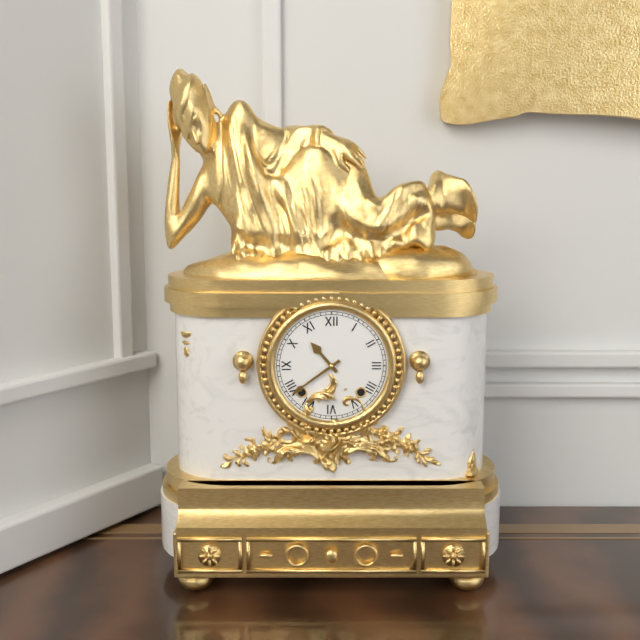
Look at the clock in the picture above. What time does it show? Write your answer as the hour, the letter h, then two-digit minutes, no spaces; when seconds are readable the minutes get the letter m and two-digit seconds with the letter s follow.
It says 10h39
